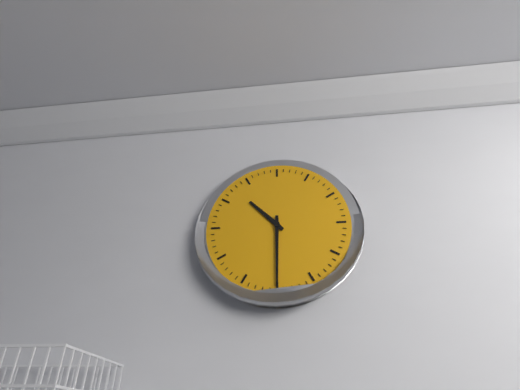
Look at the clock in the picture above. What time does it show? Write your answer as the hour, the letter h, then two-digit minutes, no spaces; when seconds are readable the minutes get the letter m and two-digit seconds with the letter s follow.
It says 10h30
